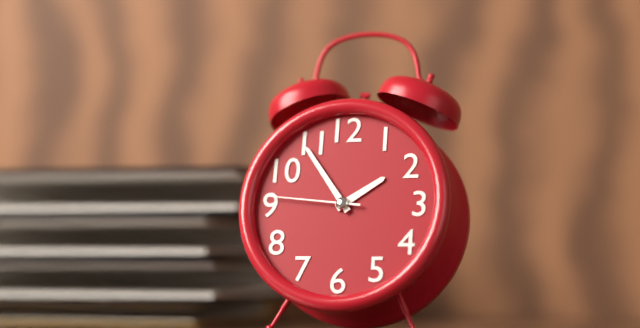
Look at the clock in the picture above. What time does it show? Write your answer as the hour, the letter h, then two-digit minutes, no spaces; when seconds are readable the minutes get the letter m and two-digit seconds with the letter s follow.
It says 1h54m46s
